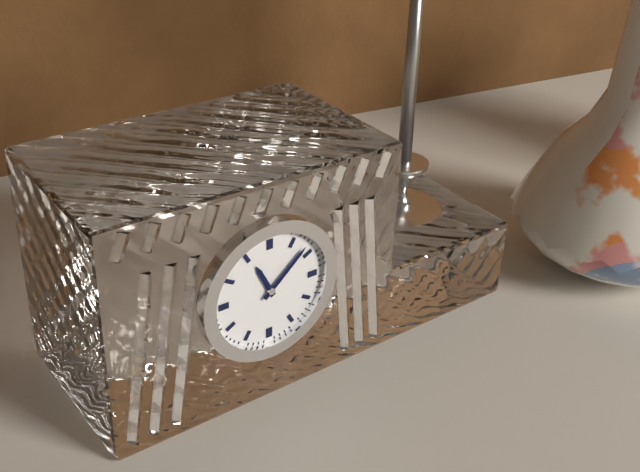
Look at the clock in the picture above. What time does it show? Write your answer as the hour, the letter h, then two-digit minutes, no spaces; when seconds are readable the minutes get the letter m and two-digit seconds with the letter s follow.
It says 11h08
